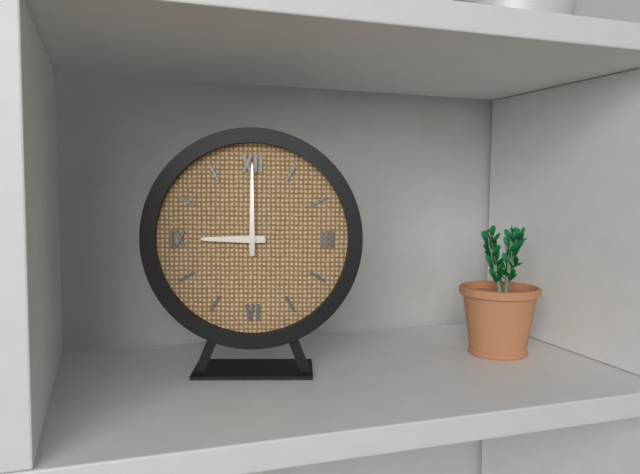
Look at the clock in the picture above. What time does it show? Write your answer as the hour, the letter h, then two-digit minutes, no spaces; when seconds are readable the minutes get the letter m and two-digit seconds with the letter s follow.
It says 9h00
